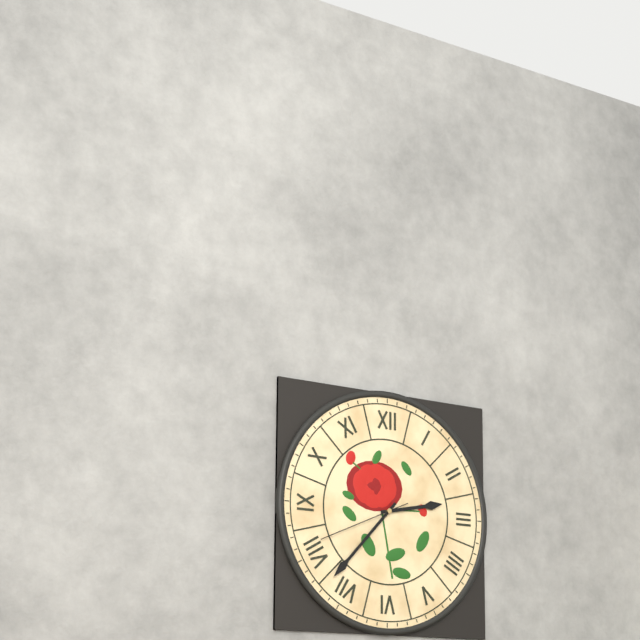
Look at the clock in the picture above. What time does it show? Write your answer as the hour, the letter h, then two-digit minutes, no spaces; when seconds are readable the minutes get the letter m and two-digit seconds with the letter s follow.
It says 2h37m41s
